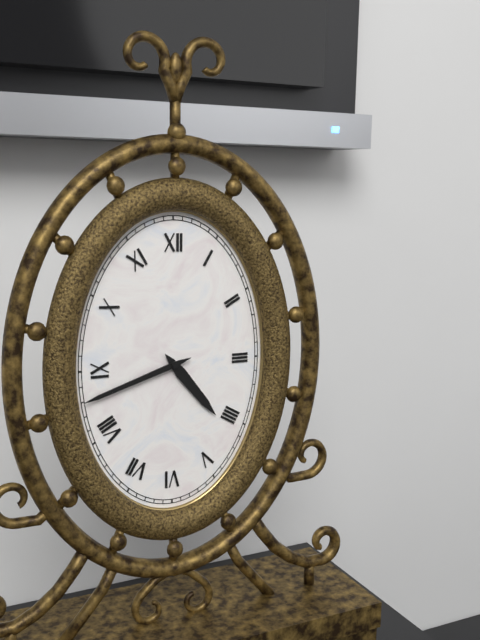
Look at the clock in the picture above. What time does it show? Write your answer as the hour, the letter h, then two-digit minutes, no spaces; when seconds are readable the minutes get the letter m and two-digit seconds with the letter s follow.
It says 4h42
